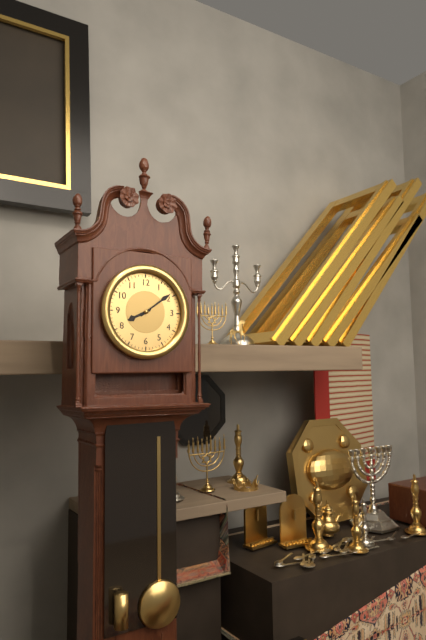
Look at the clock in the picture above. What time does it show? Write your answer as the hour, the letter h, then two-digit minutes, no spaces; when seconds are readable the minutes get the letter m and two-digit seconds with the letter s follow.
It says 8h09
